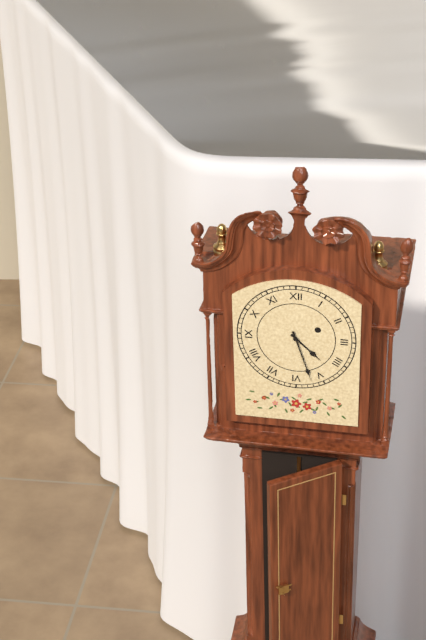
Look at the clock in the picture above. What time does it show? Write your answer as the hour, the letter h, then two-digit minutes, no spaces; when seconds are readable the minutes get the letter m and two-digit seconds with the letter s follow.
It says 4h27
